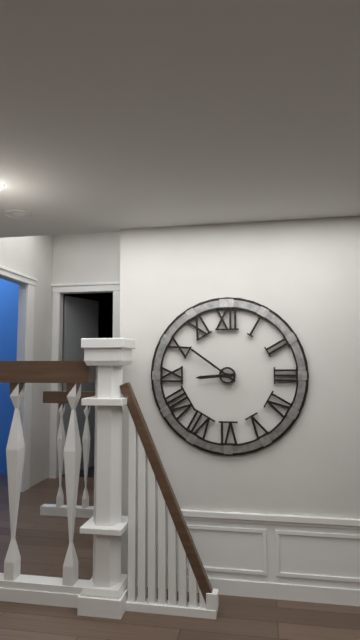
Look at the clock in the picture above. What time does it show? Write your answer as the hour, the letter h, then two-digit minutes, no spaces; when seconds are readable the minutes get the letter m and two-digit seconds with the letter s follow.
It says 8h51
